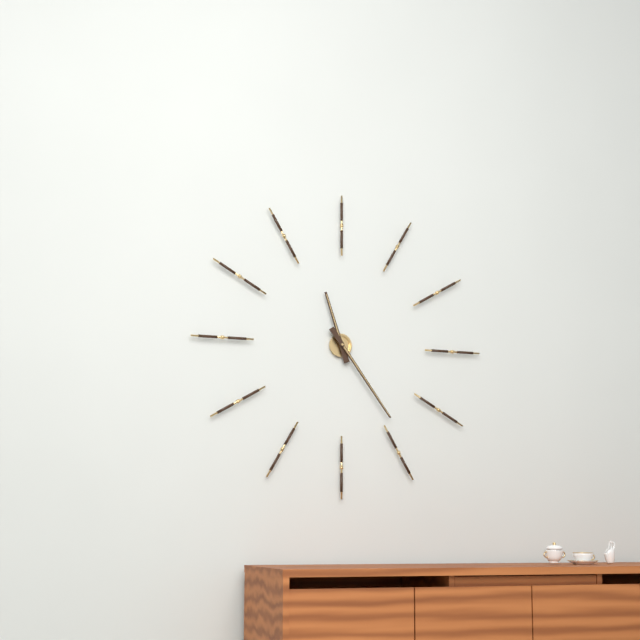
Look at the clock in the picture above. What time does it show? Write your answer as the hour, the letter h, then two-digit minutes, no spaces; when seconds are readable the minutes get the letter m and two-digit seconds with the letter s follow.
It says 11h24
